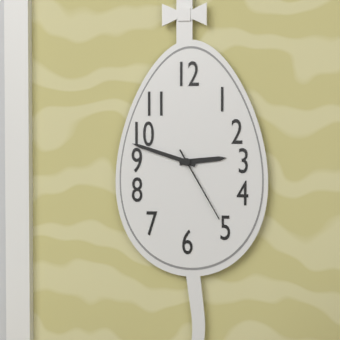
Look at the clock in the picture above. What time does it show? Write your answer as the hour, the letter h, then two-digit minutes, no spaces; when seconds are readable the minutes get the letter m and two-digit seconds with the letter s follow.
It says 2h48m25s
